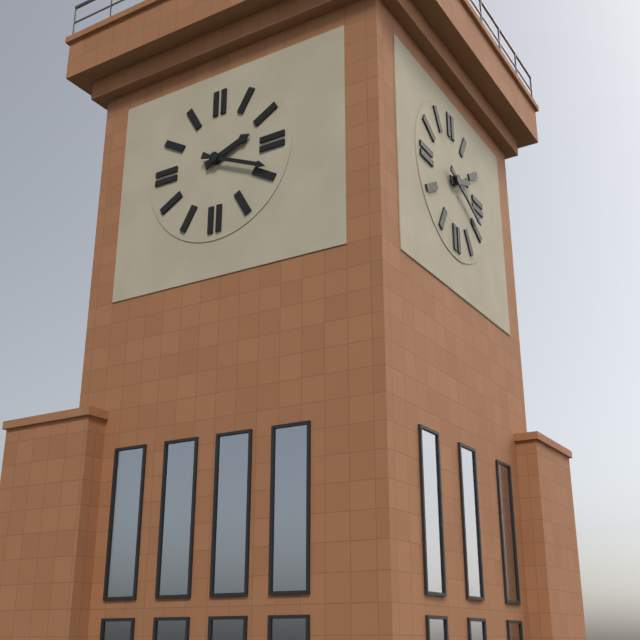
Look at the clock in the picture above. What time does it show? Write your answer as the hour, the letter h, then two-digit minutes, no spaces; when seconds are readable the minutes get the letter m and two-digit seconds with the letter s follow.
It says 2h19
